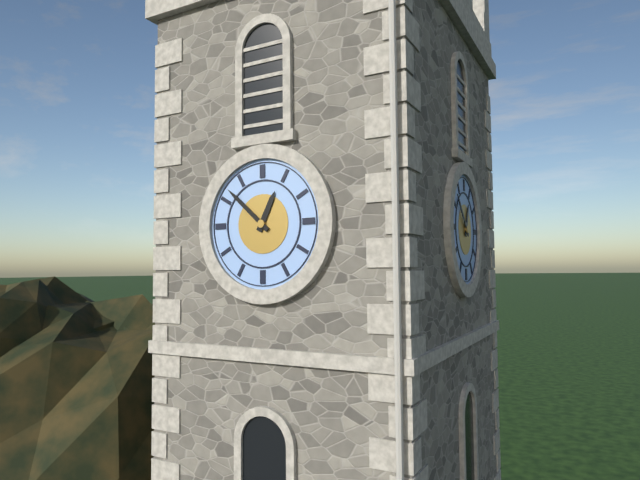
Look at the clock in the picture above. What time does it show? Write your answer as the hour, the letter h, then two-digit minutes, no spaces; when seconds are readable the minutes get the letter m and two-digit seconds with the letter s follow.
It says 12h52
